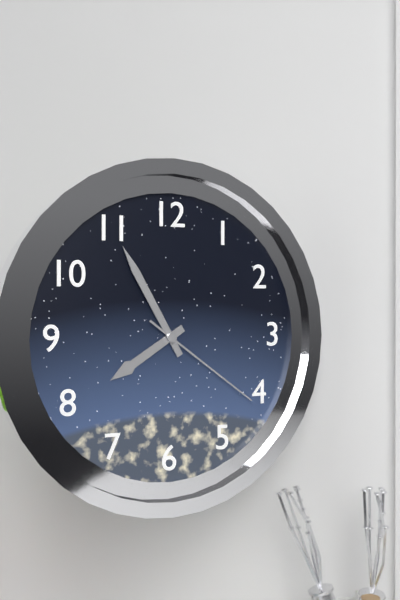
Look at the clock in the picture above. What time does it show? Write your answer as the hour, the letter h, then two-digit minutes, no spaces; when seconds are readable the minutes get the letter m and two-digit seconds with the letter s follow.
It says 7h55m21s
